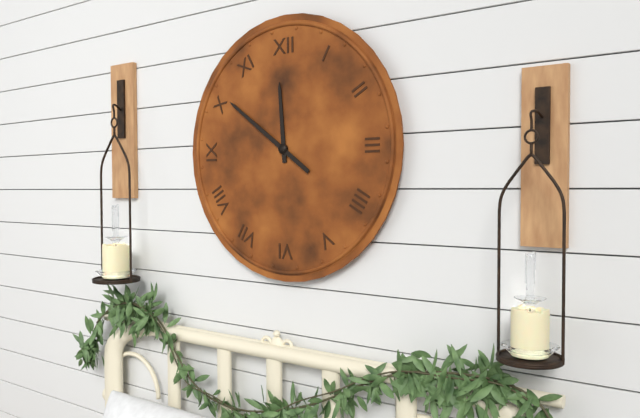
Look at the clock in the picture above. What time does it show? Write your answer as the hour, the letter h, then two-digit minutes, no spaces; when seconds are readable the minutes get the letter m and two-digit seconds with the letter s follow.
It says 11h51
